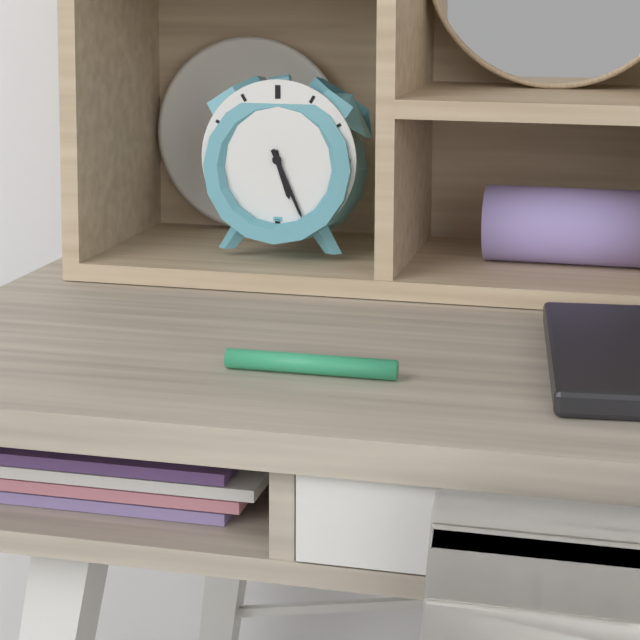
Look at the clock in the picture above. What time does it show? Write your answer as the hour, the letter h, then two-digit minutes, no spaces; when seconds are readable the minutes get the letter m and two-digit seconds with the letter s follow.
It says 5h26
